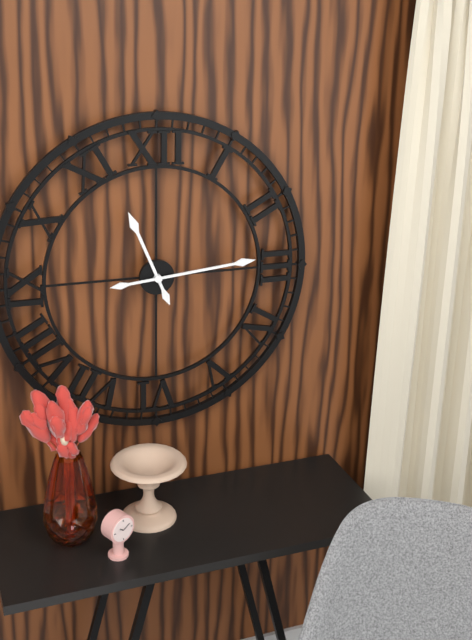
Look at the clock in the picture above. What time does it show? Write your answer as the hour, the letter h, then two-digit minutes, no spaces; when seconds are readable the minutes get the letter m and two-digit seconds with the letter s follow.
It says 11h14
